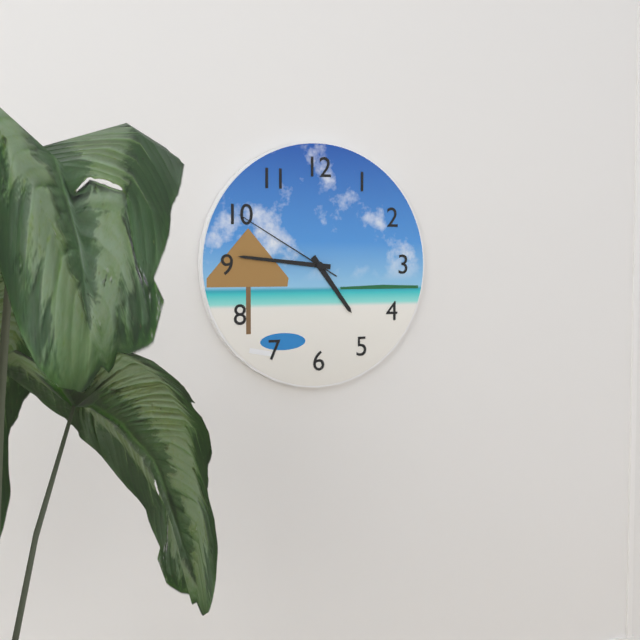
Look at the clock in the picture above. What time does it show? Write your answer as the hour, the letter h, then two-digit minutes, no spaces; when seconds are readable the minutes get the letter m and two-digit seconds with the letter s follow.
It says 4h46m50s
